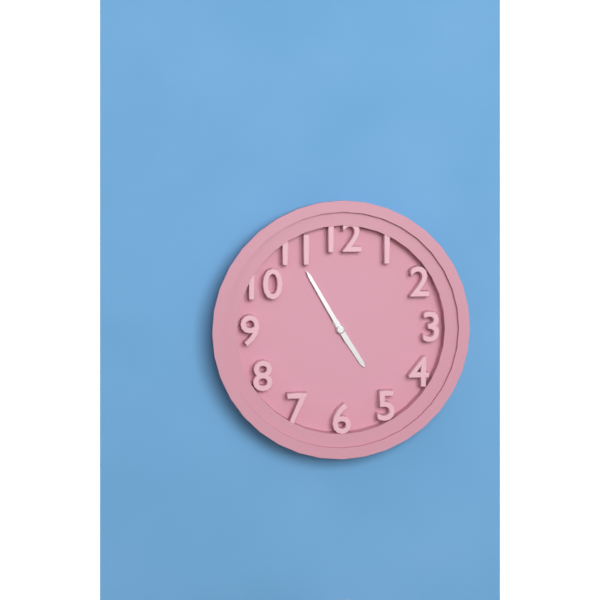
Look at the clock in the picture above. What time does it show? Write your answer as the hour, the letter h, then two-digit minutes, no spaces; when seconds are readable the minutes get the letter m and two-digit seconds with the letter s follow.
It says 4h55
